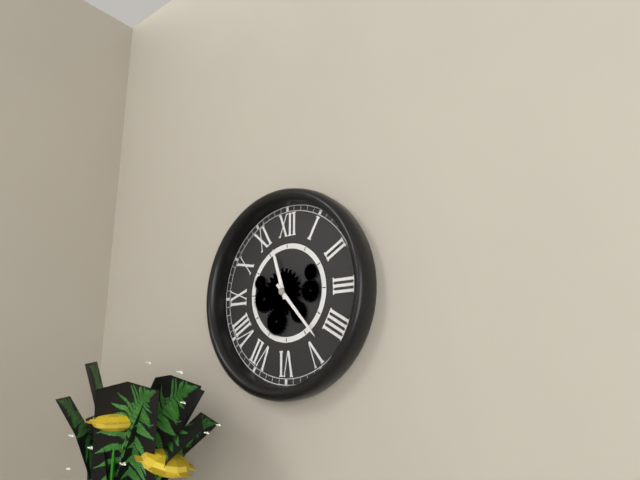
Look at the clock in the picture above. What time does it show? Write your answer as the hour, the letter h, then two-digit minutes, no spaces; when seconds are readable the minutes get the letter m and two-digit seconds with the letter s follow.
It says 11h23
